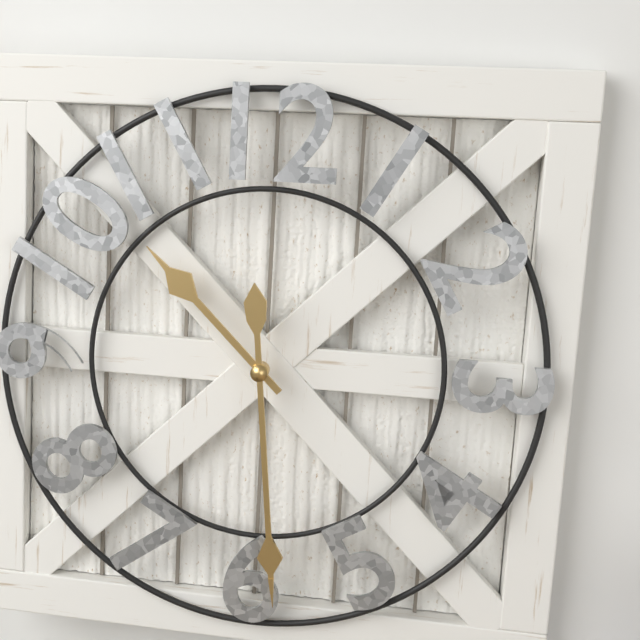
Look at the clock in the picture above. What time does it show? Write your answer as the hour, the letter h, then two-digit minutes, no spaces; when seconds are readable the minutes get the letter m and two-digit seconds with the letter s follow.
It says 10h29
